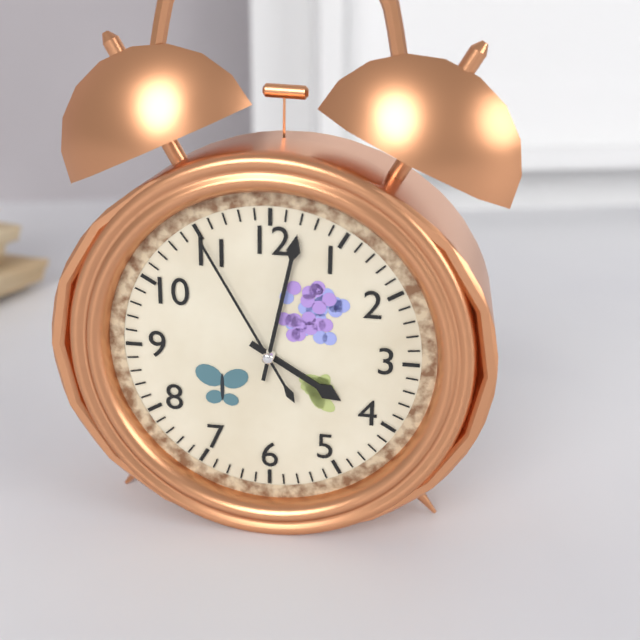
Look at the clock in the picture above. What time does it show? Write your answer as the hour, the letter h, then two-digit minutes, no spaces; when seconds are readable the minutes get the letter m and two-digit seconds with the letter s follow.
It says 4h02m55s
